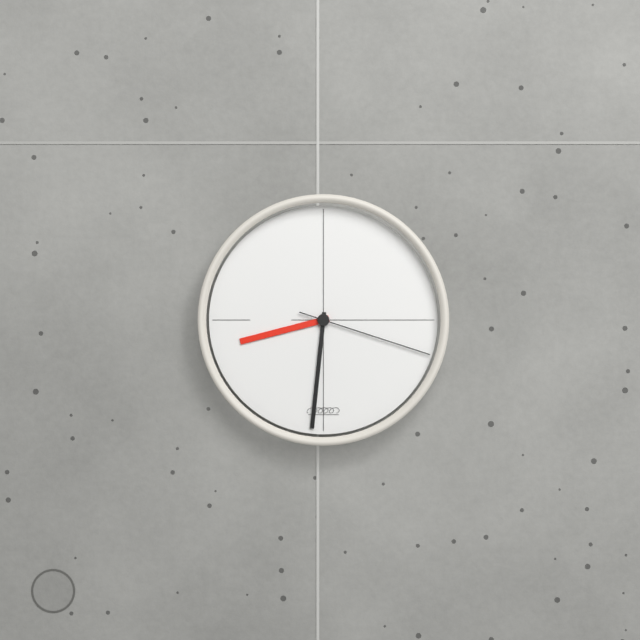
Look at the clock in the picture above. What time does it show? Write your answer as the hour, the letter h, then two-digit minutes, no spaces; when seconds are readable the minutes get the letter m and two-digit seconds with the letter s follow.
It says 8h31m18s
